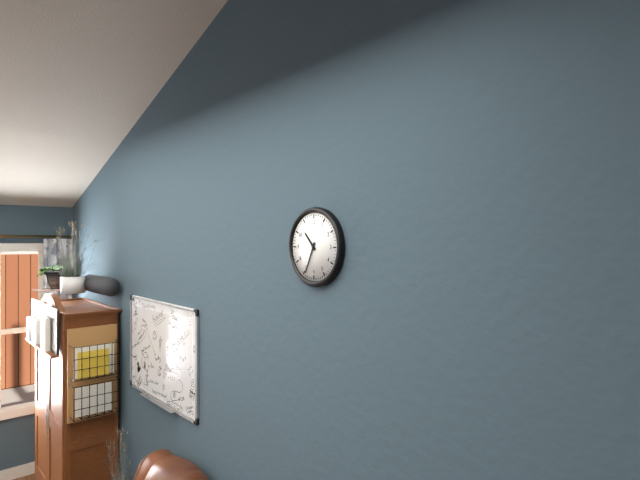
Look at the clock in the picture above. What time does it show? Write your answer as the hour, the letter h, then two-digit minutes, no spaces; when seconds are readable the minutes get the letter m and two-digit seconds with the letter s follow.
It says 10h34
